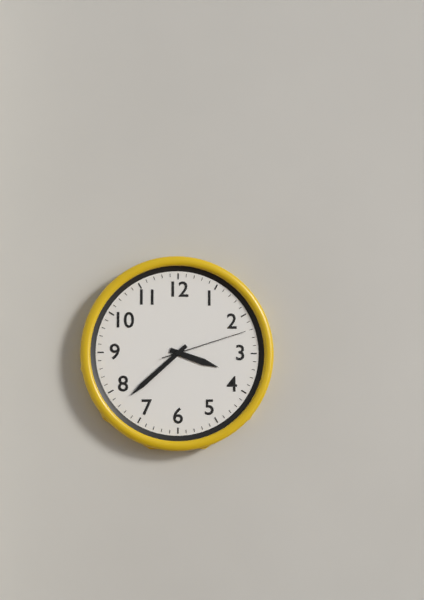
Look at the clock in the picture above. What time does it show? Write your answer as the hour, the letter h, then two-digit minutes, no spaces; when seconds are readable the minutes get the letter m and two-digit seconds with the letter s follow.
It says 3h38m12s
